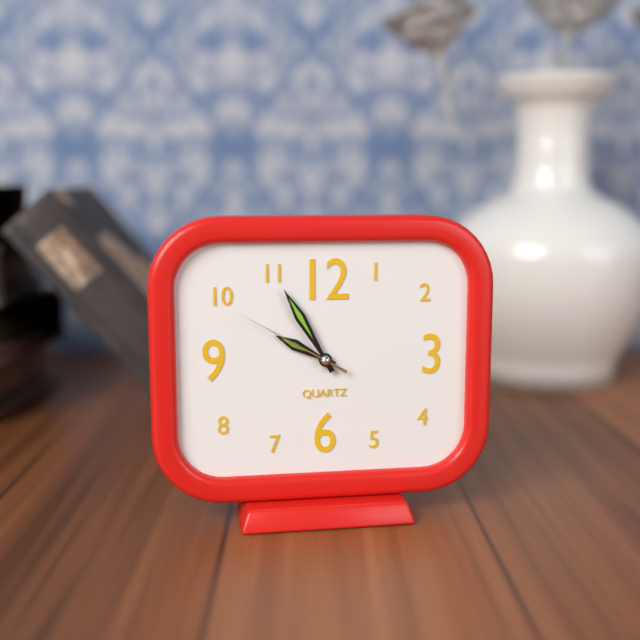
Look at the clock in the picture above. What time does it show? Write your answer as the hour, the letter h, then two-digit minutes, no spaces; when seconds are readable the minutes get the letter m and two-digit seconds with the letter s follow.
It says 9h55m50s
